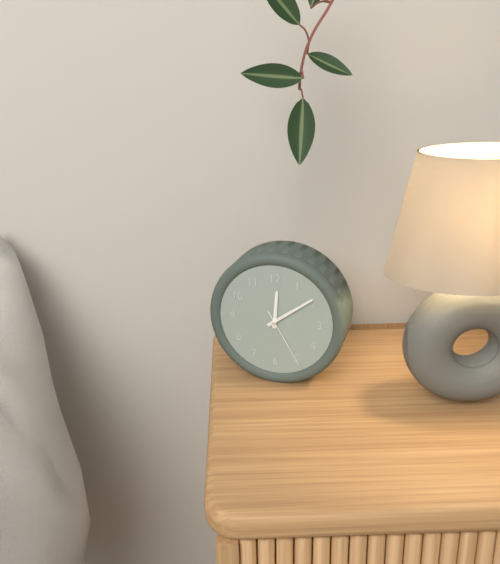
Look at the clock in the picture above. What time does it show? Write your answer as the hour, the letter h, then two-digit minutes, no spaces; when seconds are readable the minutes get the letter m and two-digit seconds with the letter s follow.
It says 12h09m25s
